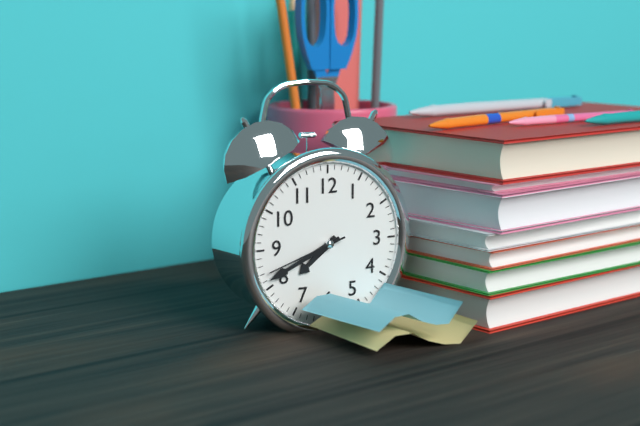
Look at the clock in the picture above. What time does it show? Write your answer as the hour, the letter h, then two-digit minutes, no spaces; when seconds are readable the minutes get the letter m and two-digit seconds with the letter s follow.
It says 7h41m42s
